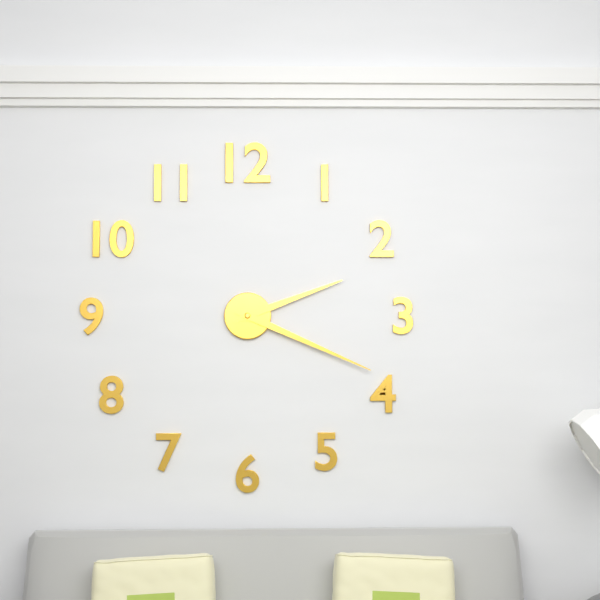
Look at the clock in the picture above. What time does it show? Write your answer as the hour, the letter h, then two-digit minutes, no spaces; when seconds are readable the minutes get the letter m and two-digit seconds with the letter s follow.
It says 2h19
